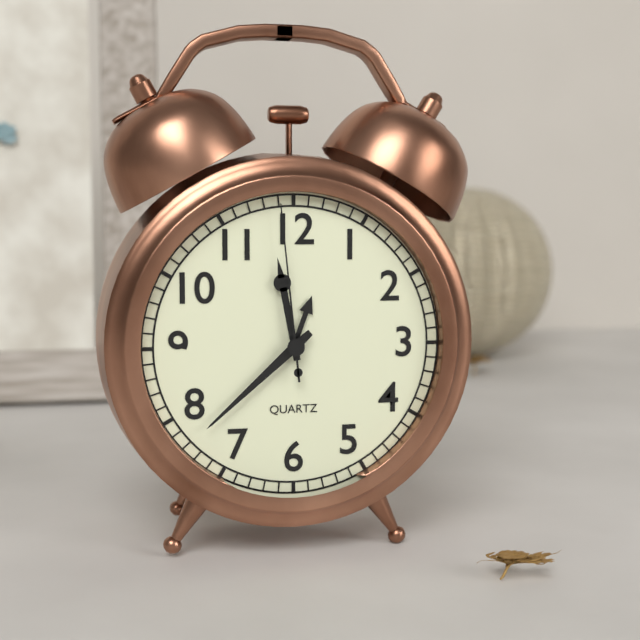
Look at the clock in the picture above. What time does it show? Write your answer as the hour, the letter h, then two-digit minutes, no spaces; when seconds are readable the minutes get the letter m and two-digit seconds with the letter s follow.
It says 11h38m59s
